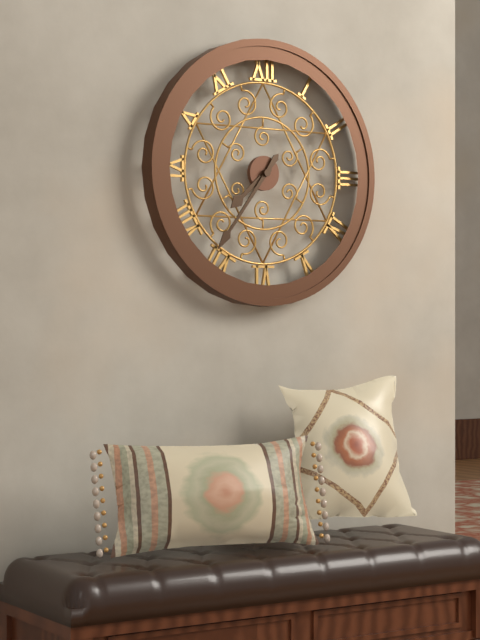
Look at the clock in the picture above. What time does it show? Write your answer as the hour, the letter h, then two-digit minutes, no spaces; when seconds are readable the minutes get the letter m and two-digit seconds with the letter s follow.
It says 7h36
